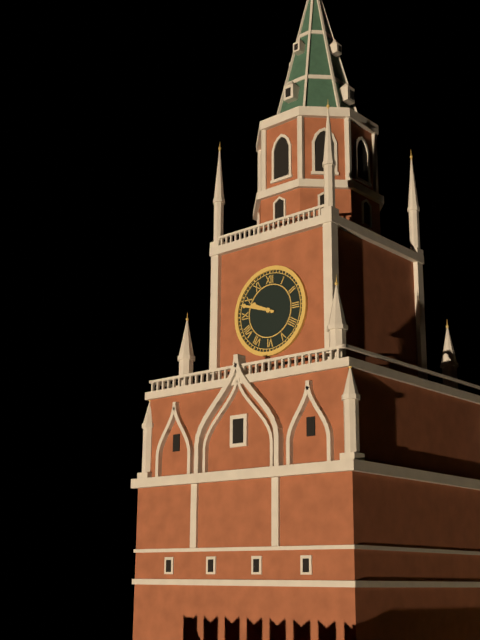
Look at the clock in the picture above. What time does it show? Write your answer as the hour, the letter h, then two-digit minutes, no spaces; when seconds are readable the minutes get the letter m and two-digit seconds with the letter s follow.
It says 9h48
